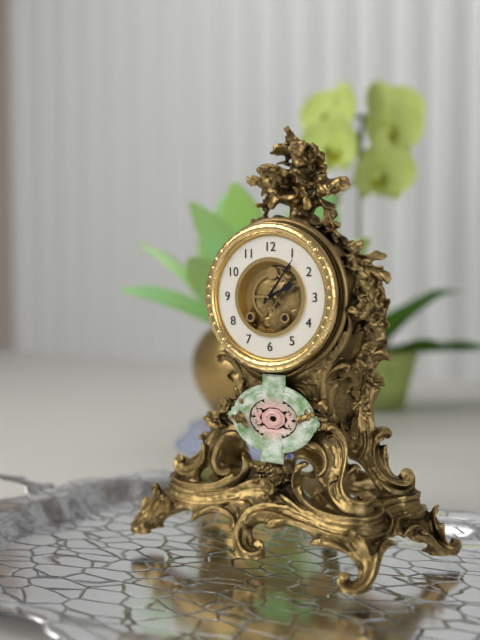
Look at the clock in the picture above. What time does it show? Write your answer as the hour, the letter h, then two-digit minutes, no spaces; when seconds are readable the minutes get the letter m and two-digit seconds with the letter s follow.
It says 2h06
